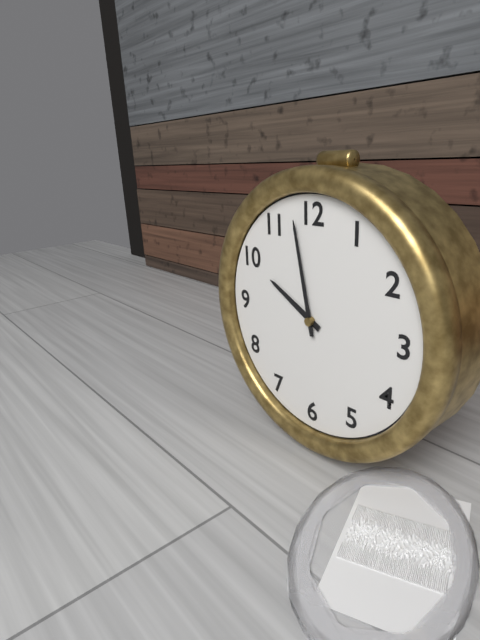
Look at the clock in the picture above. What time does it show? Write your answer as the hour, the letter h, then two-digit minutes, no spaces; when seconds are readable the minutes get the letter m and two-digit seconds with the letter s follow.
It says 9h58
